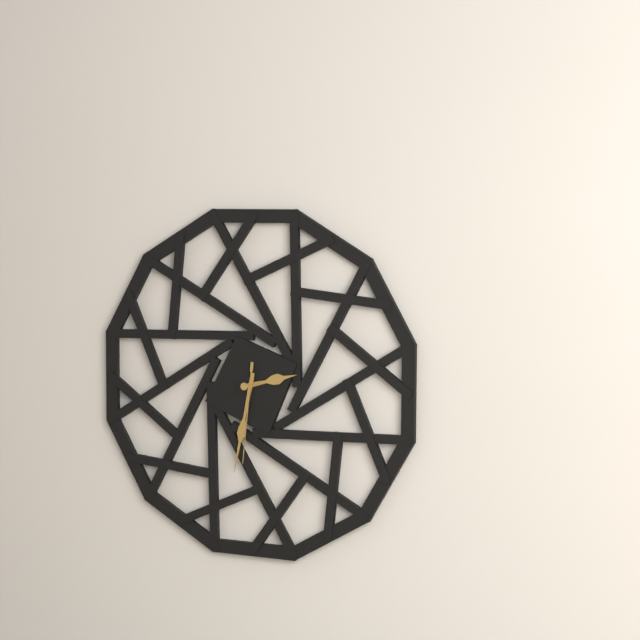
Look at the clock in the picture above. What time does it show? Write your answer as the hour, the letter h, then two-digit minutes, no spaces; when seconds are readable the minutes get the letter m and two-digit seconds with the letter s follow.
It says 2h32m31s
